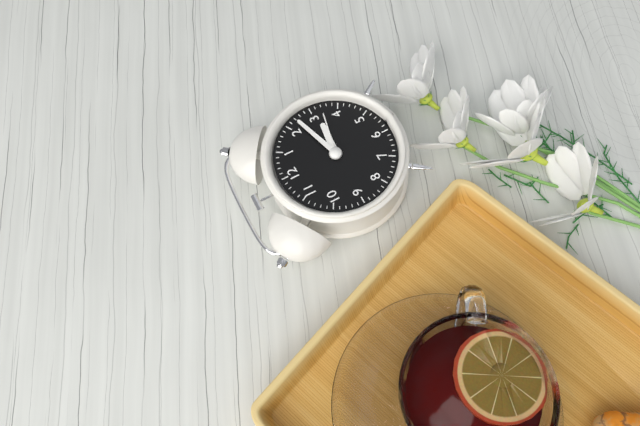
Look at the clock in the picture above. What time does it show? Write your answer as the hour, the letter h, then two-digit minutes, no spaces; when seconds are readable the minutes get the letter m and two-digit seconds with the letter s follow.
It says 3h12m17s
